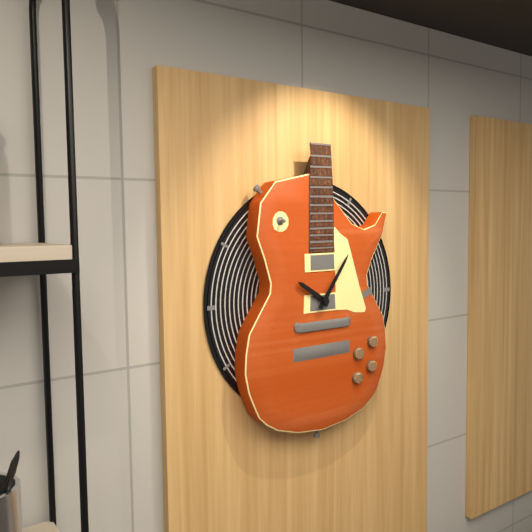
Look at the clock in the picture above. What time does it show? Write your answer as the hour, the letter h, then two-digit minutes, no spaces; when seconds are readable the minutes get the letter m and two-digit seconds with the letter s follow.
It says 10h06
